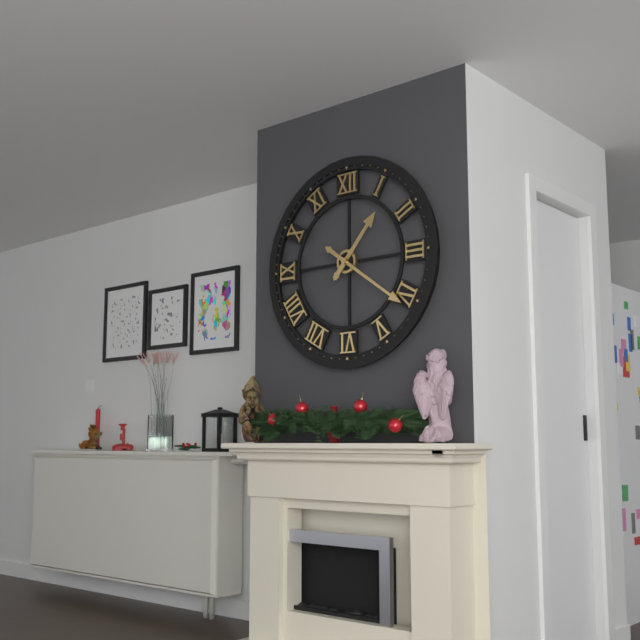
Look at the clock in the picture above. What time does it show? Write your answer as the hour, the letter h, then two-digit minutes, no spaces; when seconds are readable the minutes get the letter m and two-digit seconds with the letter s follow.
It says 1h21
